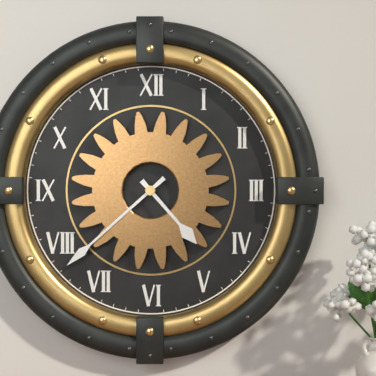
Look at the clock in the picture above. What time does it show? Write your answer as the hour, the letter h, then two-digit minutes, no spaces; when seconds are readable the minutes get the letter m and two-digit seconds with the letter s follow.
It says 4h38
